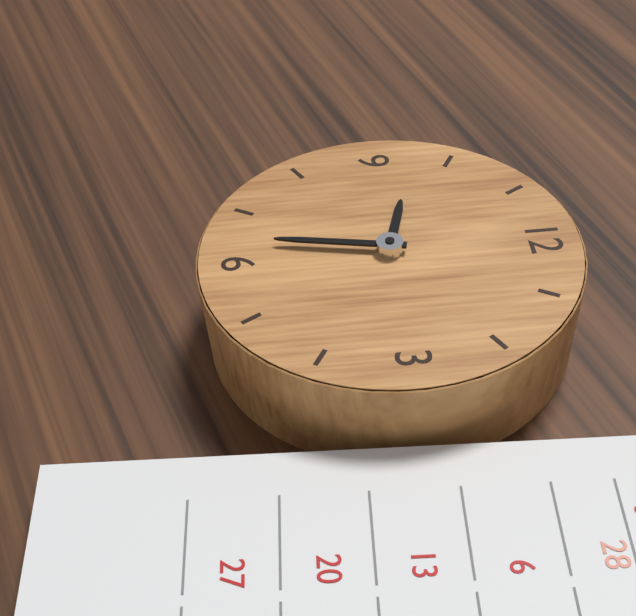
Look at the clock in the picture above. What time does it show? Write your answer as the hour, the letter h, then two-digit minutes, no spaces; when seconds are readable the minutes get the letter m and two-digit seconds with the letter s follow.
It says 9h32
